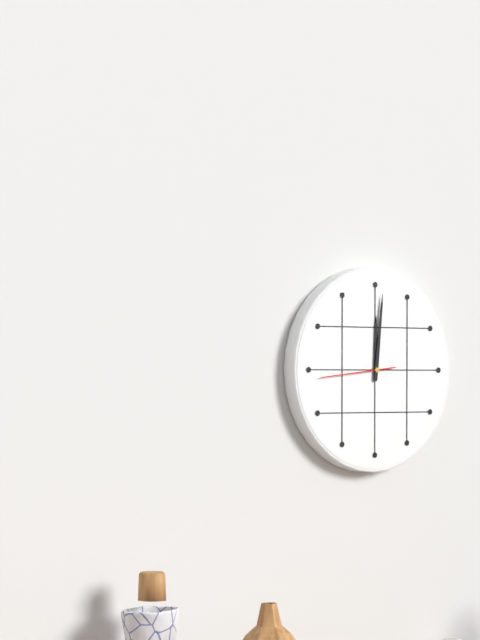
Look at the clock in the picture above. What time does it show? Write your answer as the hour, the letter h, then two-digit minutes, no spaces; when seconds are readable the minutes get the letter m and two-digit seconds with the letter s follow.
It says 12h01m44s
